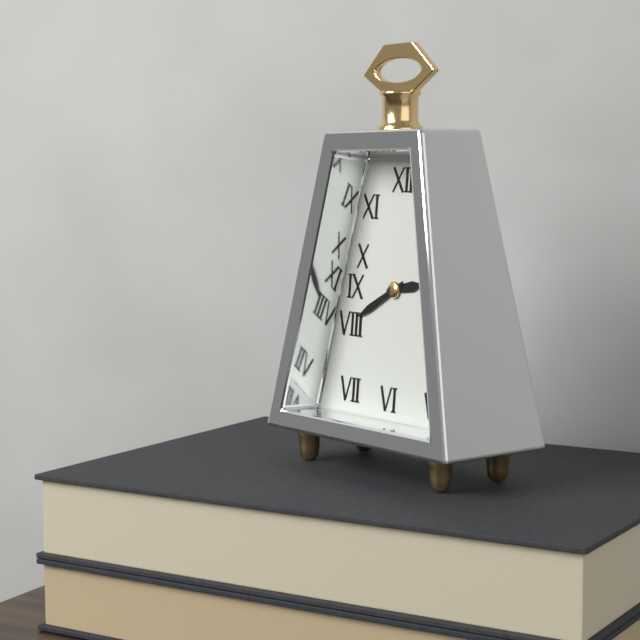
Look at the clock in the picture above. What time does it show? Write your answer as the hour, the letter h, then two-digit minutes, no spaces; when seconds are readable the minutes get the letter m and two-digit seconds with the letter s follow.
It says 2h40
